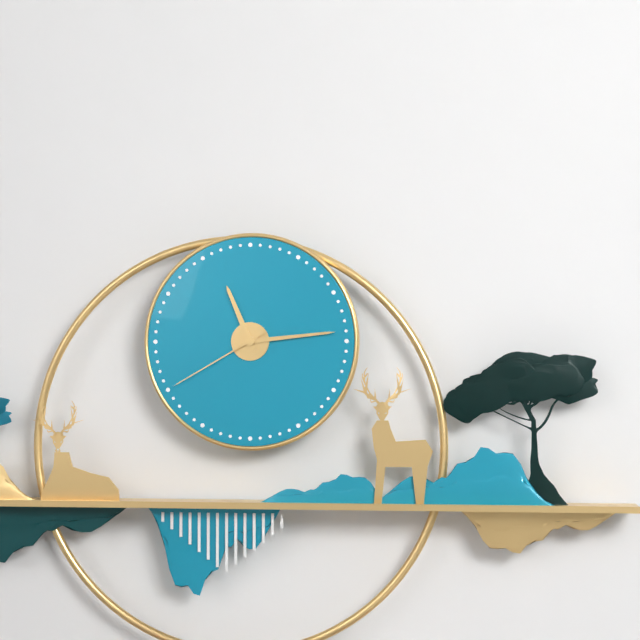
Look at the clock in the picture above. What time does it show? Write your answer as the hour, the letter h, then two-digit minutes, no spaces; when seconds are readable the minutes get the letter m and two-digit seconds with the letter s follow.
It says 11h14m40s
